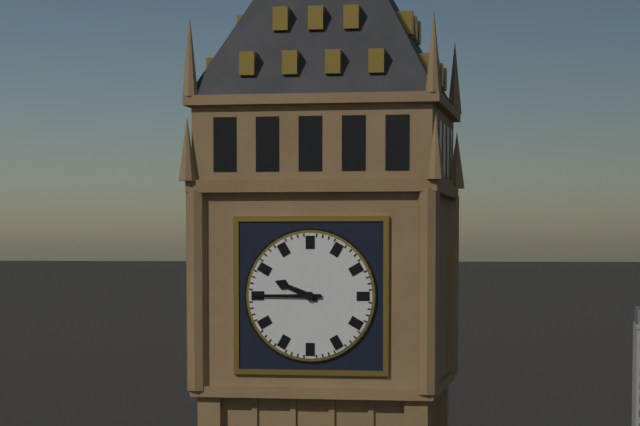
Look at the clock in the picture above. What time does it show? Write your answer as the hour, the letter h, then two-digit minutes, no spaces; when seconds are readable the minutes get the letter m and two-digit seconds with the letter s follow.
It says 9h45
